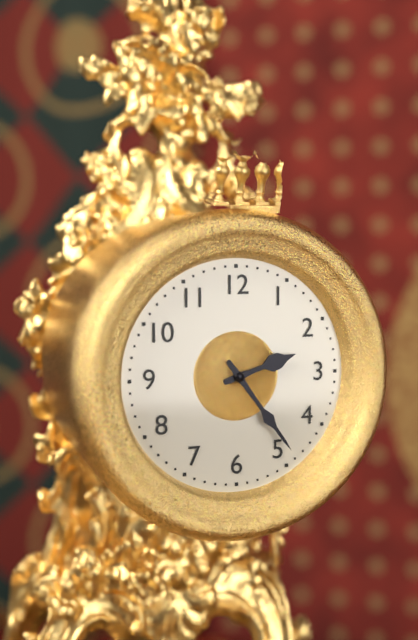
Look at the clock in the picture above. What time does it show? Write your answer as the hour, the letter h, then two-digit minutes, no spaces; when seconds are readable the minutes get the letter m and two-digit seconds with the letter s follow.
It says 2h24
